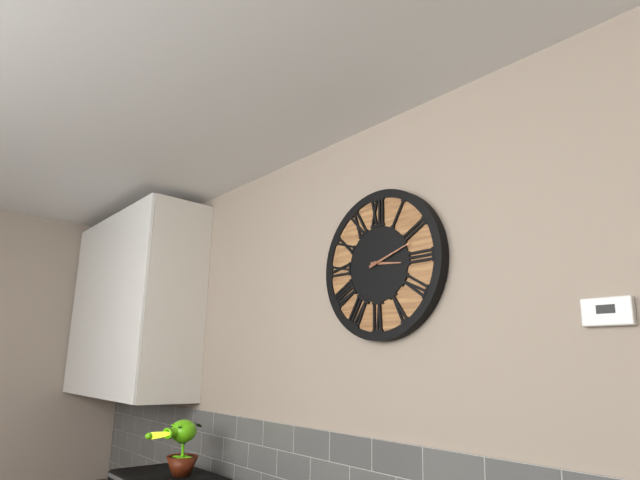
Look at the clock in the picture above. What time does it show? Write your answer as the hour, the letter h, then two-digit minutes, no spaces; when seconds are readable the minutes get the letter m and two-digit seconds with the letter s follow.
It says 3h12
